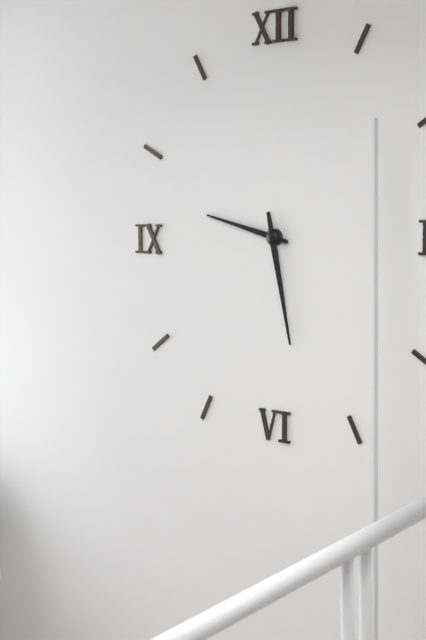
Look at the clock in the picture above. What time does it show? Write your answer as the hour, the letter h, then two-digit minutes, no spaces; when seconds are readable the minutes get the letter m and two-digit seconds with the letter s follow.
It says 9h28
